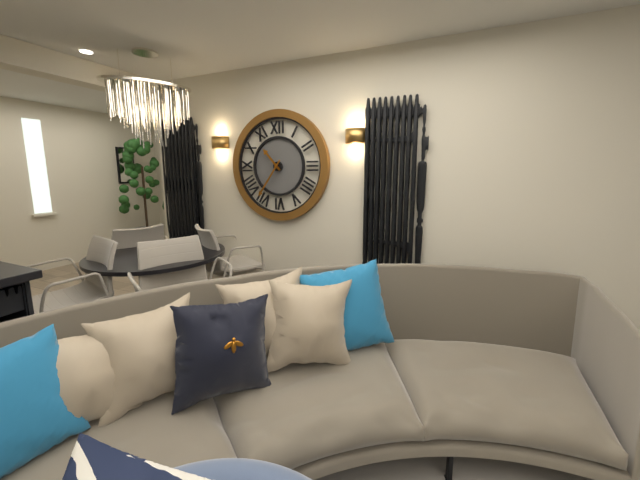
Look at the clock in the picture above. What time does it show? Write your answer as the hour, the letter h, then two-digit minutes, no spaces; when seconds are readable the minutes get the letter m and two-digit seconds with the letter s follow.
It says 10h36
